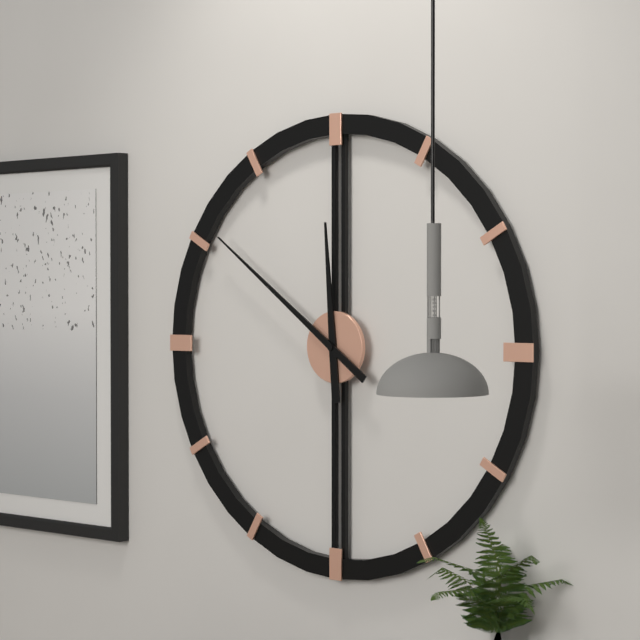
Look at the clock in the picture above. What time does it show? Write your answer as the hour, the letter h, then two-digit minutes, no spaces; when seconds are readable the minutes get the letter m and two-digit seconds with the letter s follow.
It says 11h51
